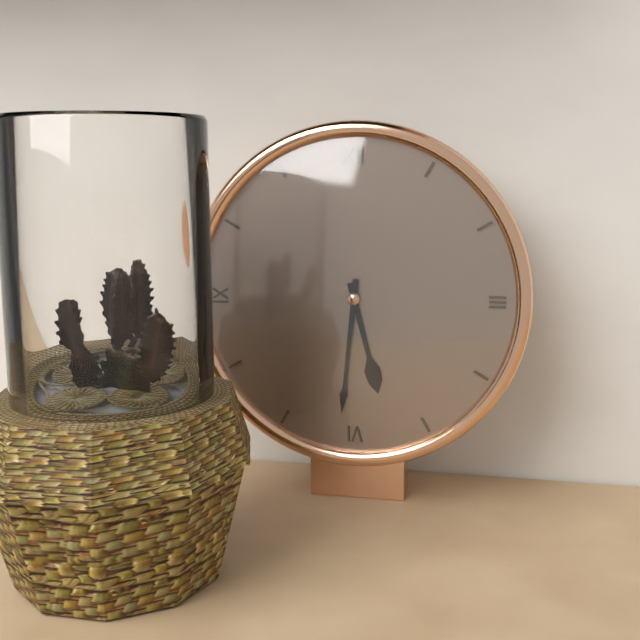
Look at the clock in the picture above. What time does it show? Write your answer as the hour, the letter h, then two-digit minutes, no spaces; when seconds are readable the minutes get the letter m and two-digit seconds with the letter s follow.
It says 5h31
